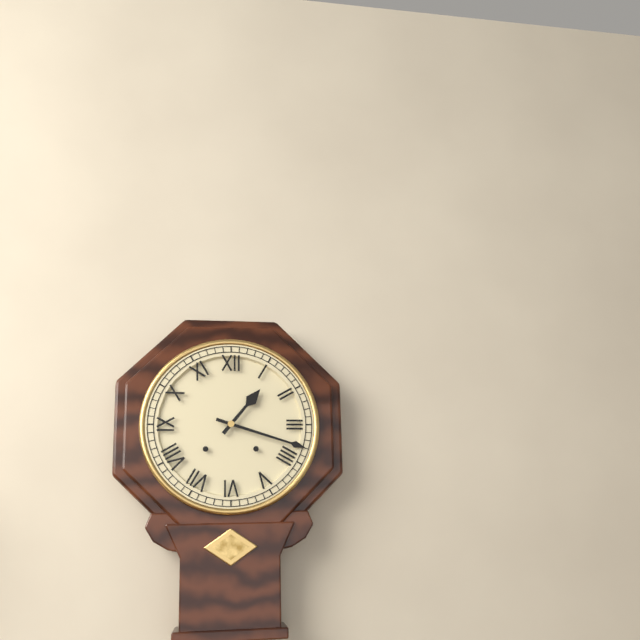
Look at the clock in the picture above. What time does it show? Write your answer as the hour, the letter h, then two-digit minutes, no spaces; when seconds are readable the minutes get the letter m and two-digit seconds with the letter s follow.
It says 1h18
